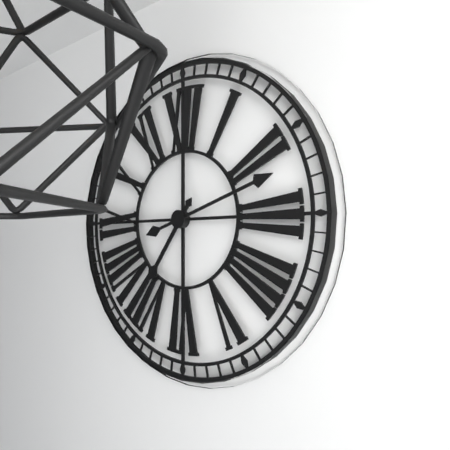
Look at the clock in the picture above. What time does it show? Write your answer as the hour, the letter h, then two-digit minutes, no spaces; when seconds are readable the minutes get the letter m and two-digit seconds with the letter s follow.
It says 7h12
